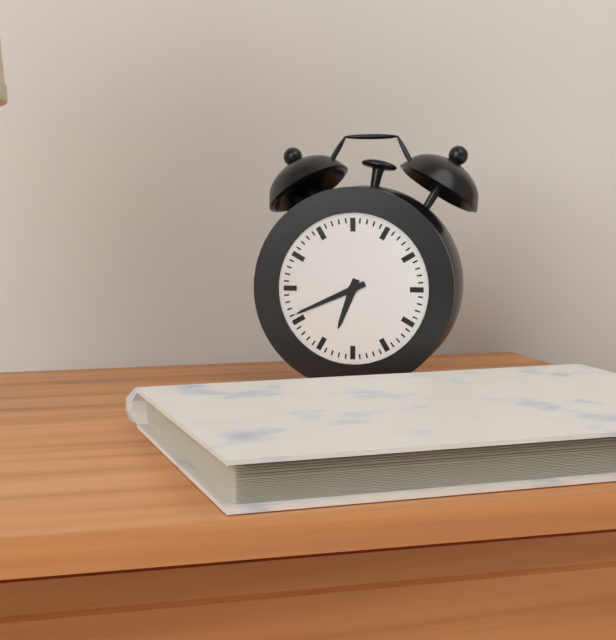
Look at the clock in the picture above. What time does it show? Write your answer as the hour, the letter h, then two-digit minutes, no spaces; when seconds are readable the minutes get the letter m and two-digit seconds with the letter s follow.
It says 6h41
